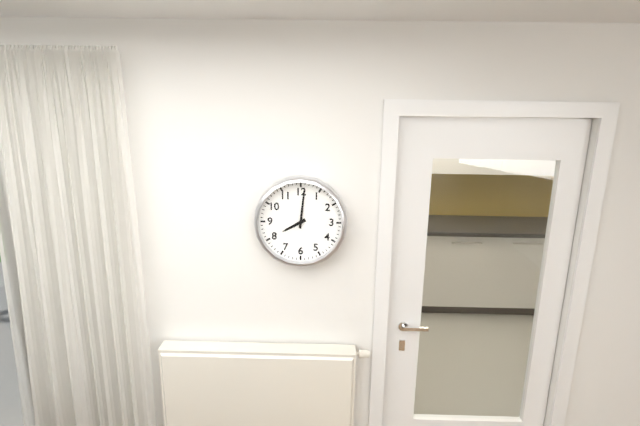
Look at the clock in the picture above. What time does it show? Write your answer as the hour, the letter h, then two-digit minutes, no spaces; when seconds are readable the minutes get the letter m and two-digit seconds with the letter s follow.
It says 8h01
